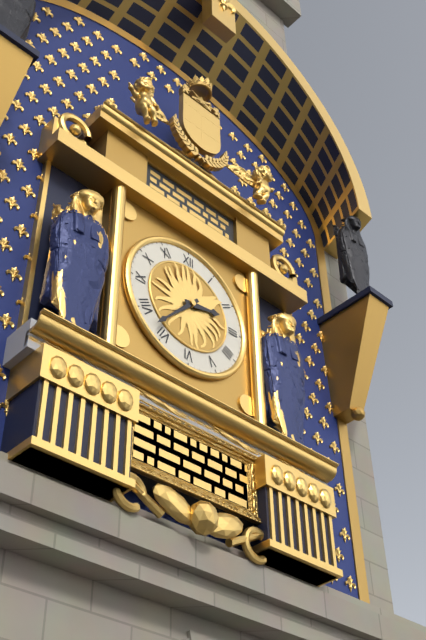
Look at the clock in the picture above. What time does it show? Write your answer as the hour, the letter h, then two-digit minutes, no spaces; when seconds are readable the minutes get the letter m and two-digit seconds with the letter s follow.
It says 2h37
